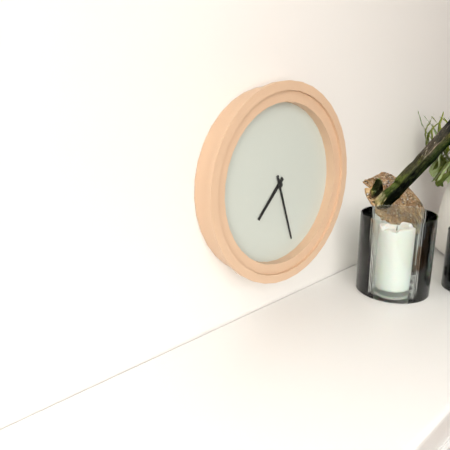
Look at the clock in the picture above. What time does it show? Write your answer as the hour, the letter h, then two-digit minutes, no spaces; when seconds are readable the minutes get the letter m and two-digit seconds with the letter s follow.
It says 7h27
